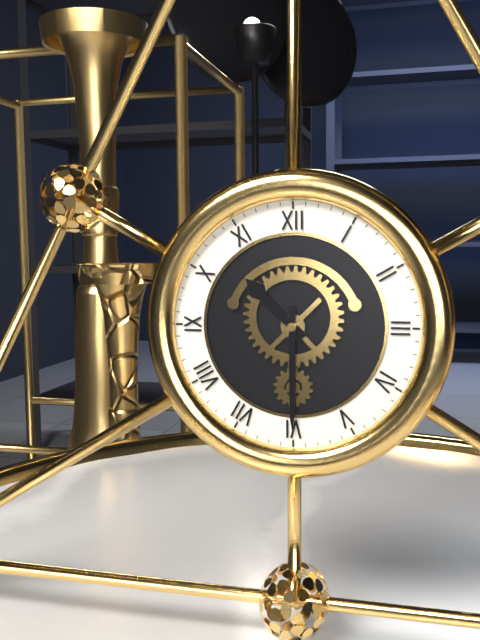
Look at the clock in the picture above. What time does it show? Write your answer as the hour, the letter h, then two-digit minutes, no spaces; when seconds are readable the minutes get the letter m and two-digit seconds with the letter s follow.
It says 10h30
